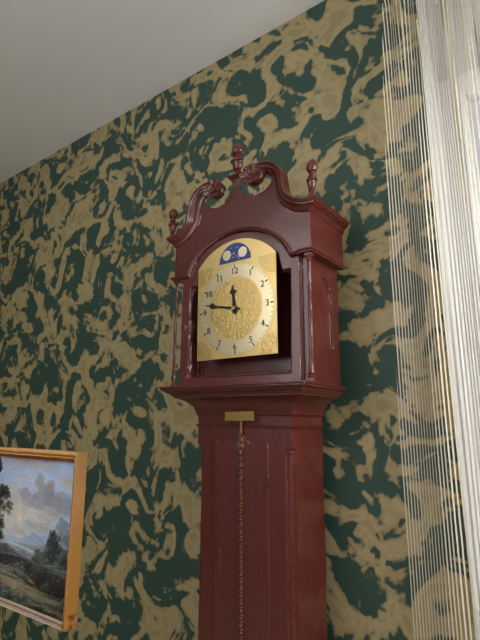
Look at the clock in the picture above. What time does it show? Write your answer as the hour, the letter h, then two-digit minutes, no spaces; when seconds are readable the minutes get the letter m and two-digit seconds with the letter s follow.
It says 11h47
